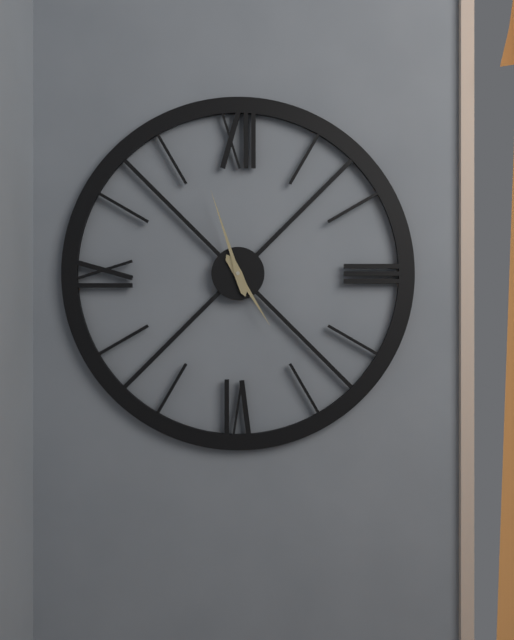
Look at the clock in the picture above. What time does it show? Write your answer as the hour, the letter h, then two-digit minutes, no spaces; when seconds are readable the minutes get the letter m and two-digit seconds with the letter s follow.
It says 4h57
